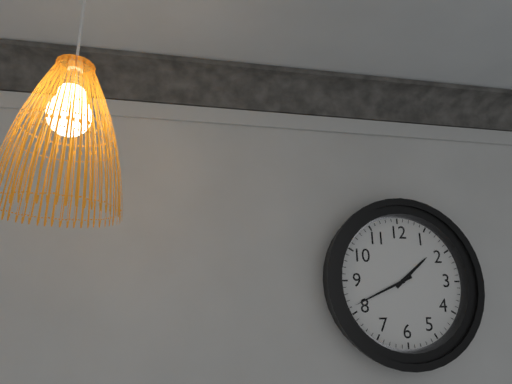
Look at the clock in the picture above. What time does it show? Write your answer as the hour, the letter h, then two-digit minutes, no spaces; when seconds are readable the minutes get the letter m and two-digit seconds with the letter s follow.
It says 1h41
